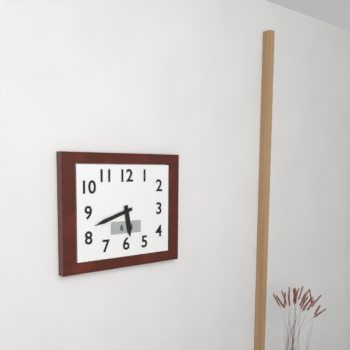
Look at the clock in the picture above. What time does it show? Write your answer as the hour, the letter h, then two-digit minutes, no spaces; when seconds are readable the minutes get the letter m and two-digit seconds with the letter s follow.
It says 5h42
